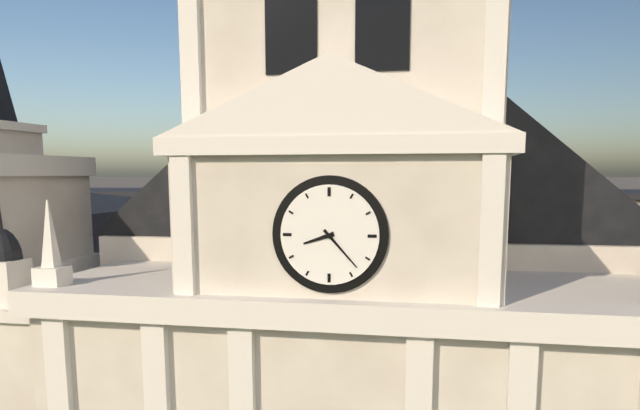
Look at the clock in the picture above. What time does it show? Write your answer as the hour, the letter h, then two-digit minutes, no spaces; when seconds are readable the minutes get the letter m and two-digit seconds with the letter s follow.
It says 8h23
